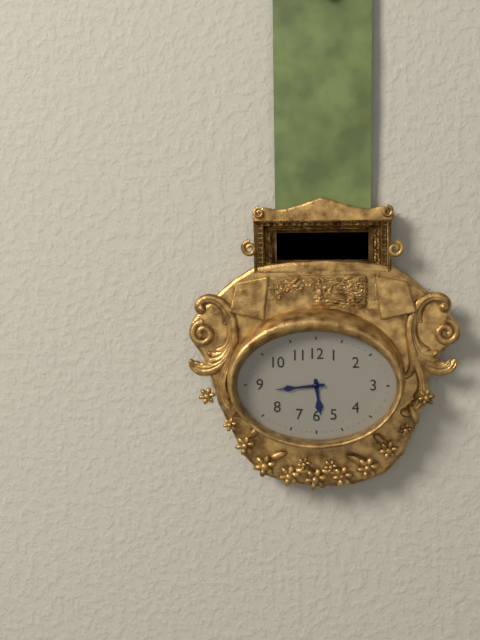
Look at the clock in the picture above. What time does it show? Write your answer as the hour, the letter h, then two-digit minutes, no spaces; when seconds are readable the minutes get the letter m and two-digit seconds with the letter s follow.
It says 5h44
